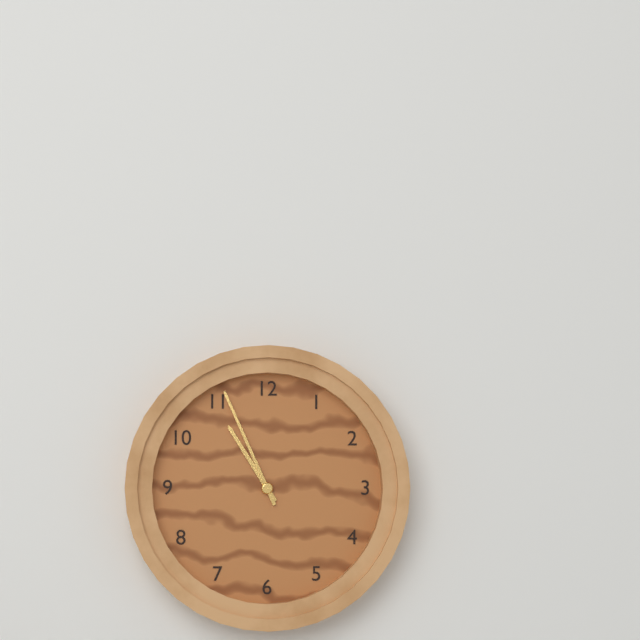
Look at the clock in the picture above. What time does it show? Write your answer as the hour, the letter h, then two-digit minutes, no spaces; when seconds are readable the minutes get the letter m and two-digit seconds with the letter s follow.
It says 10h56
